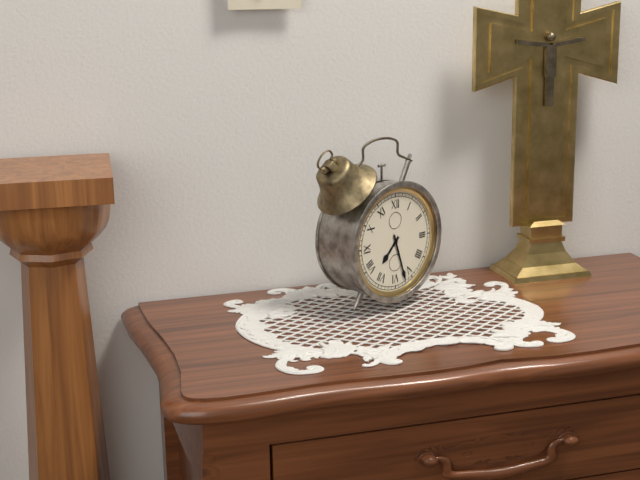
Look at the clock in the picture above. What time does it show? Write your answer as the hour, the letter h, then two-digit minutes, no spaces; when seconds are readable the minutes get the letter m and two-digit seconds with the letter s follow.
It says 7h27
